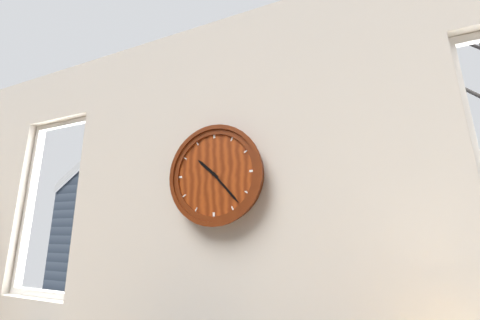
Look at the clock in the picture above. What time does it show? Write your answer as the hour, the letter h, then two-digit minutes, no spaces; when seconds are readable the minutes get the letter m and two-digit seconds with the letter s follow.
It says 10h23
